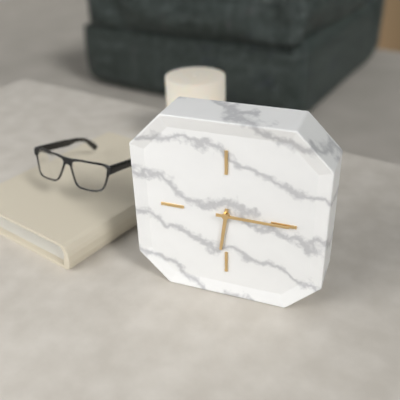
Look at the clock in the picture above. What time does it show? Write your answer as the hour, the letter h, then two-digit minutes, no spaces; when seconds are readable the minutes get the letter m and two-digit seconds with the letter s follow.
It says 6h15
